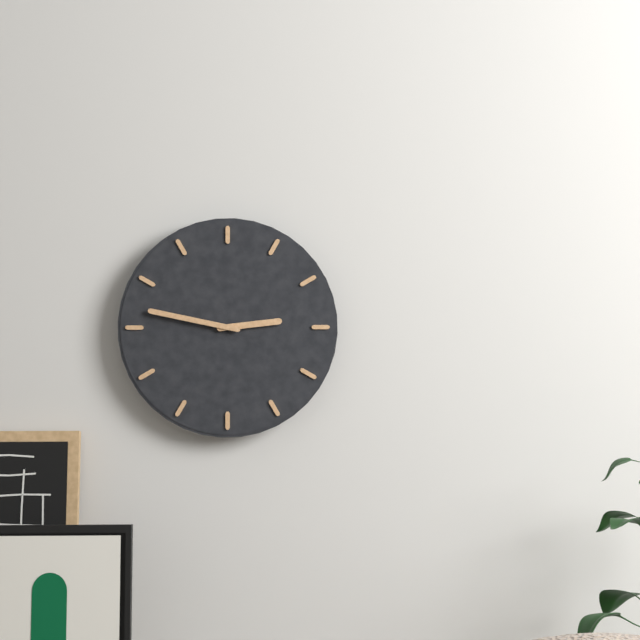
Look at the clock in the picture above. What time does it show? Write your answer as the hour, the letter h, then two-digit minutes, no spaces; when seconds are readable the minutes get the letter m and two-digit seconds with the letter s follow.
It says 2h47
